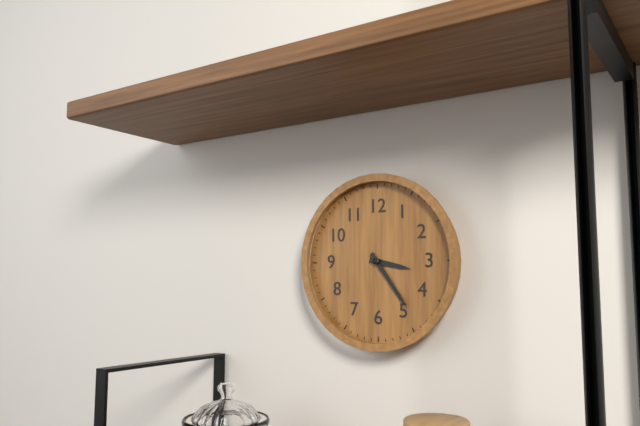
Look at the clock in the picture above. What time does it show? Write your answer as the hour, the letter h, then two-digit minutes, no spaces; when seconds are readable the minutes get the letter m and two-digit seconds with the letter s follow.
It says 3h24
